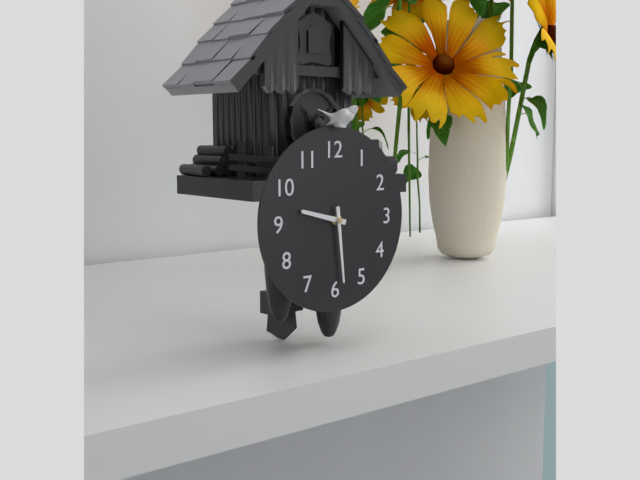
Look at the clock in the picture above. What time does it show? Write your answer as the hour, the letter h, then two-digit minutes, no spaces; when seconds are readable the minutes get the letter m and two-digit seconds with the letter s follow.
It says 9h29
